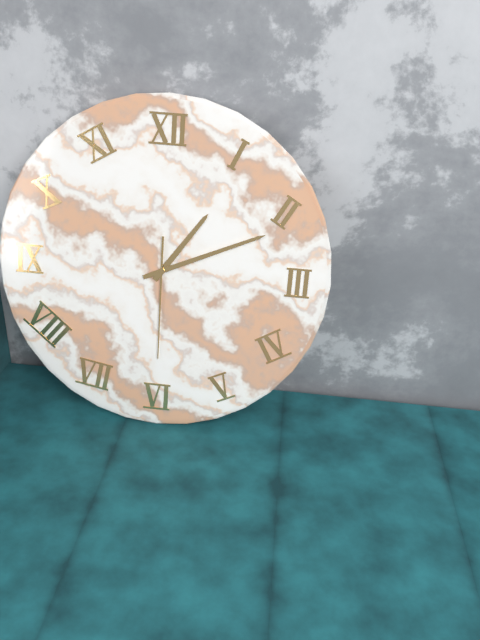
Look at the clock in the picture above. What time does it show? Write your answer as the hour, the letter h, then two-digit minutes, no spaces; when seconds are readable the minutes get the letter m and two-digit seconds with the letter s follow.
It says 1h11m30s
